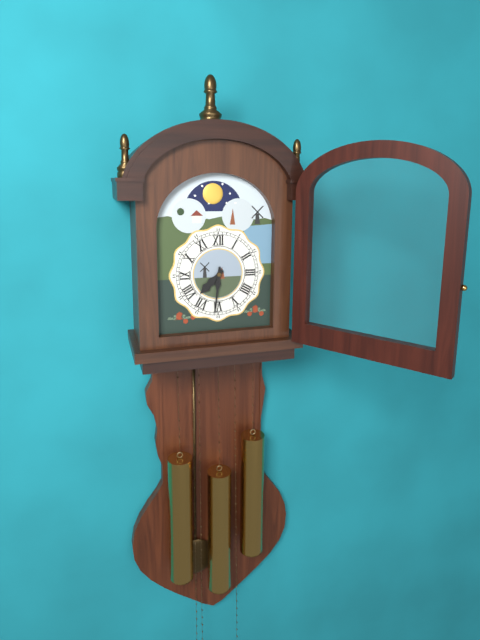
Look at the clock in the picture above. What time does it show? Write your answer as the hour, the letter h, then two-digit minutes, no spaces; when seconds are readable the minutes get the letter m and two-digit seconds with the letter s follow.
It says 7h31
